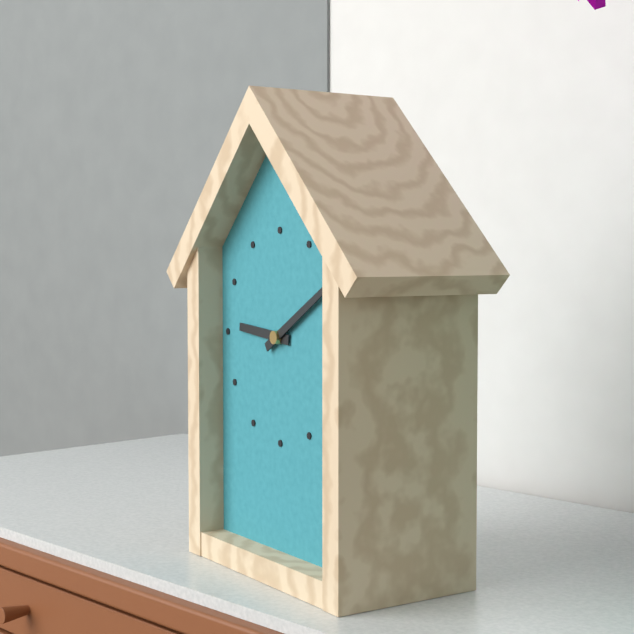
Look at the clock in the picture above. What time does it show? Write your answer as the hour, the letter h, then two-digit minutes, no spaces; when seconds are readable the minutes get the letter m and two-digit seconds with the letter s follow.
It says 9h10
